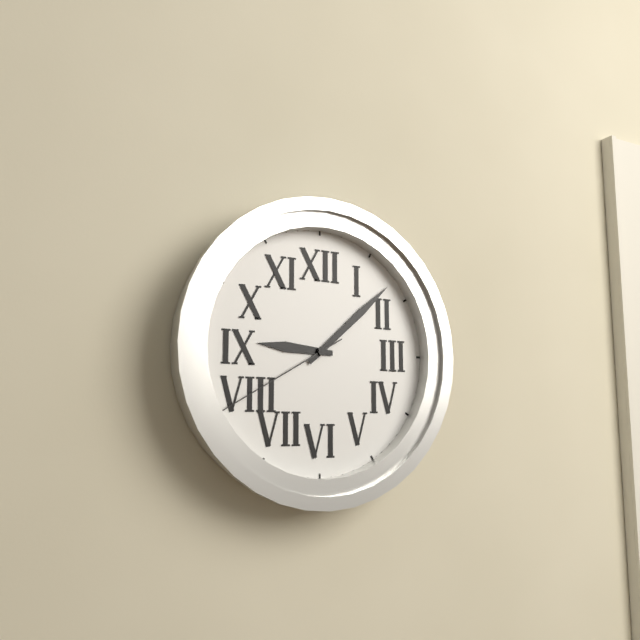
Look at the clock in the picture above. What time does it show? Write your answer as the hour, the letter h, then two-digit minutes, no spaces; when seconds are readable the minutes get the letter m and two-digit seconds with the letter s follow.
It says 9h08m40s
